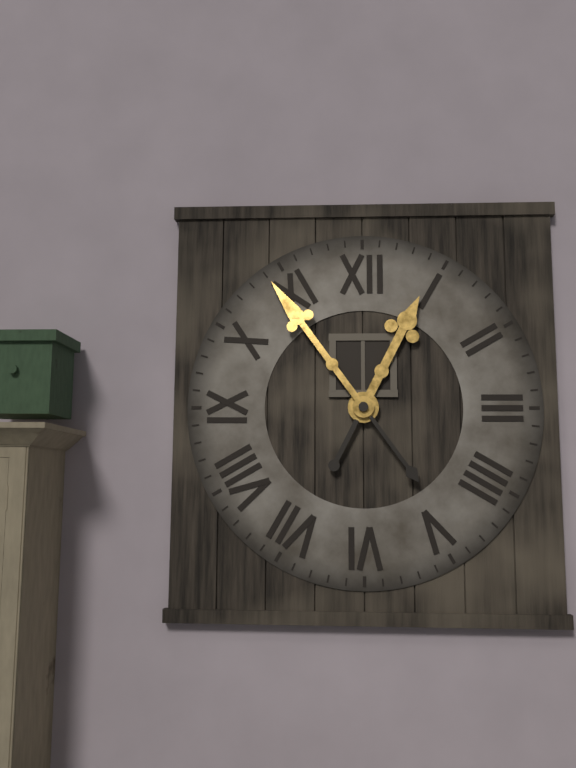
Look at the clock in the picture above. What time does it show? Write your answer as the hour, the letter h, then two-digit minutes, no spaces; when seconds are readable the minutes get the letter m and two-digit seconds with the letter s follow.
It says 12h54
